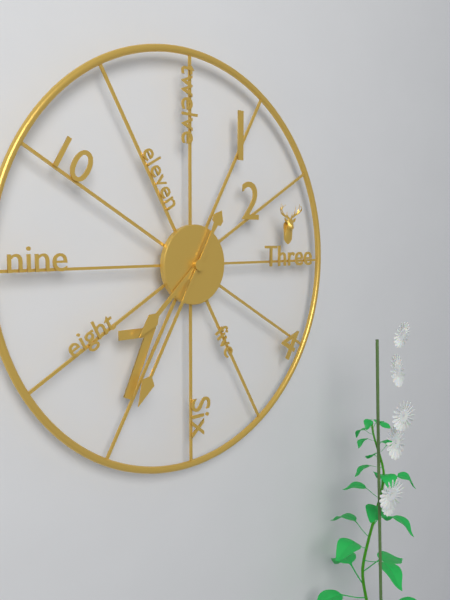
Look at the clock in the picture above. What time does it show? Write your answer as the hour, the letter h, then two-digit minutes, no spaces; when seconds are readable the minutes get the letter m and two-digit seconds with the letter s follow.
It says 7h35
